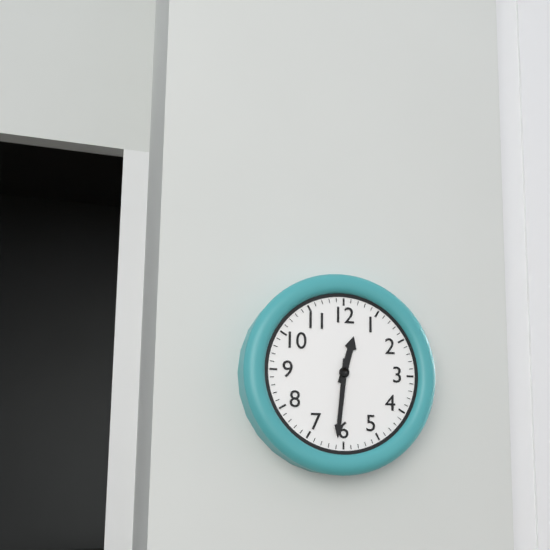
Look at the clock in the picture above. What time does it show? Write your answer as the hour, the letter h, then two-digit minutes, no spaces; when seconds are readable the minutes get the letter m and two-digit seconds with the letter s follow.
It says 12h31
